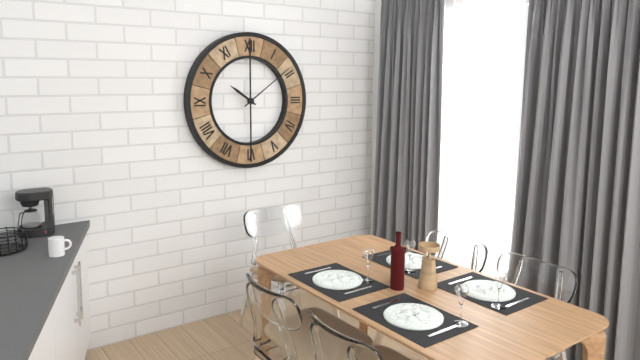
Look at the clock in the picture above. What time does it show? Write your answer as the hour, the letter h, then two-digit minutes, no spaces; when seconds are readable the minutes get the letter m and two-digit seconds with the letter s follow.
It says 10h09
